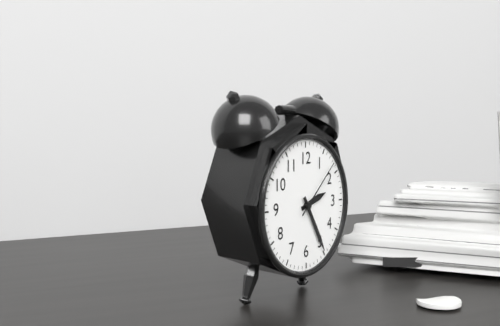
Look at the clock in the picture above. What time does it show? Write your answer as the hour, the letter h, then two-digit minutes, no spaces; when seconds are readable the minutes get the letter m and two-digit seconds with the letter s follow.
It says 2h25m08s
